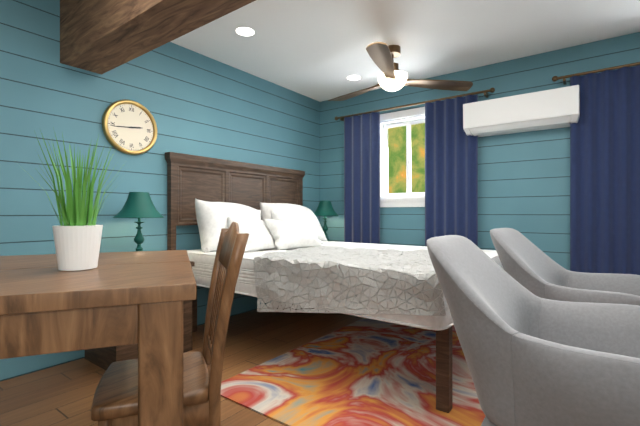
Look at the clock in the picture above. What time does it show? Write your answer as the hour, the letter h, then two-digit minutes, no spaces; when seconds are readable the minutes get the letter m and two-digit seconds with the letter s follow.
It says 2h44
